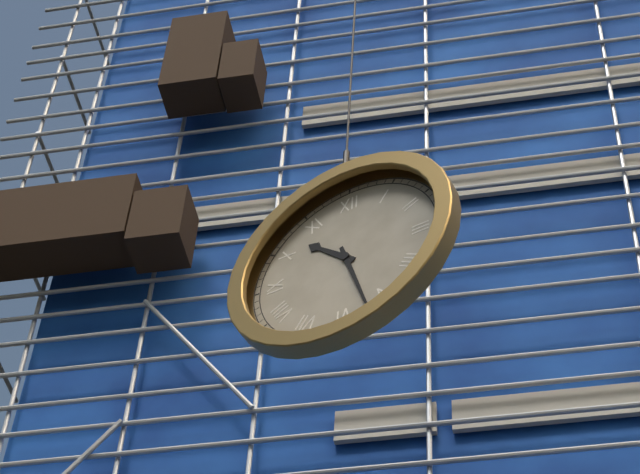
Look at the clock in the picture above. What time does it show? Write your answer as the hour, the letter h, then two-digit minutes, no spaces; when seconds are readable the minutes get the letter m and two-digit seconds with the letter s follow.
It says 10h27
